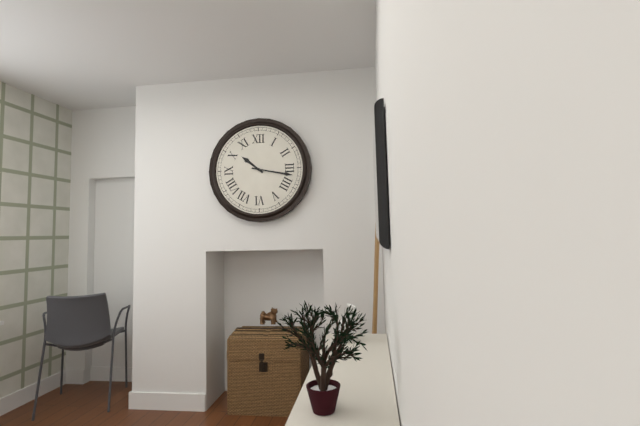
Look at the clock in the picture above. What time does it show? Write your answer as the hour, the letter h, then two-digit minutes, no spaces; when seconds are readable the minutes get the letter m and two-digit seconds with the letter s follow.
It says 10h17
